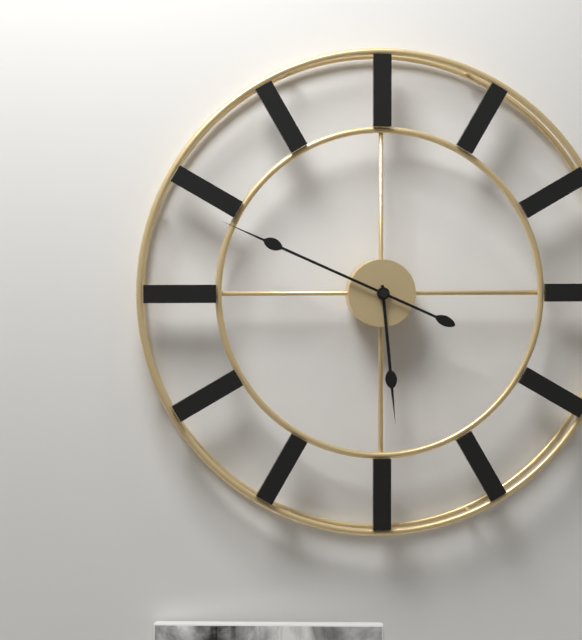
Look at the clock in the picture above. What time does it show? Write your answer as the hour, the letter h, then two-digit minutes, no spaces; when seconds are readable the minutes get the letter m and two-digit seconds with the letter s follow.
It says 5h49
